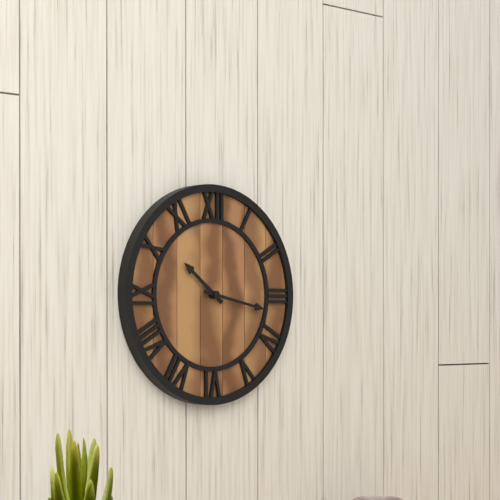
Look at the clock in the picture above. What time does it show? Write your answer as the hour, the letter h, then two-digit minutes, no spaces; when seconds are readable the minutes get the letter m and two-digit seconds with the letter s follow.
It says 10h17
